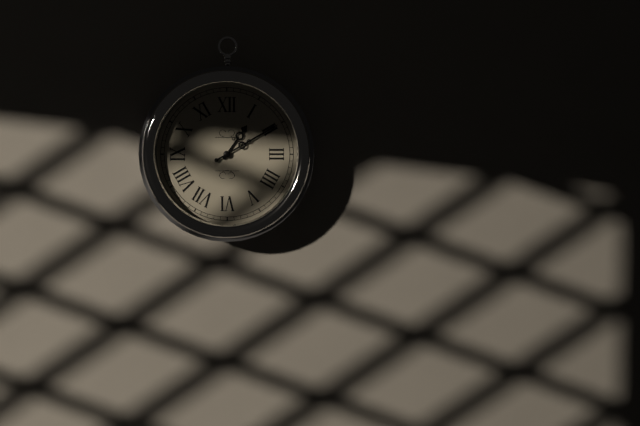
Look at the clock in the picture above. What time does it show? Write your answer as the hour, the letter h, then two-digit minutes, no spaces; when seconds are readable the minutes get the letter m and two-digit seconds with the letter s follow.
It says 1h10
